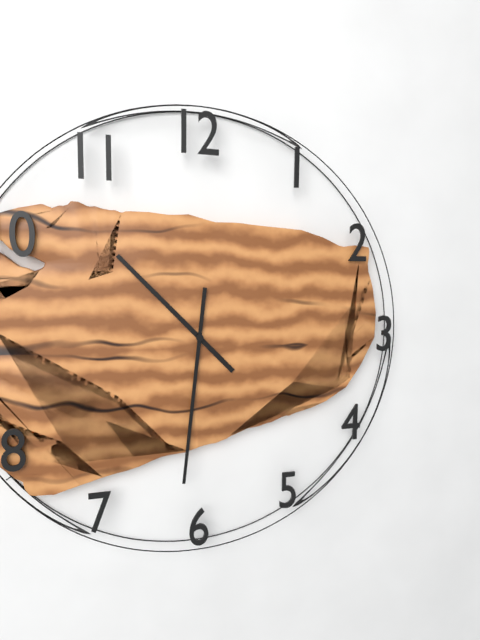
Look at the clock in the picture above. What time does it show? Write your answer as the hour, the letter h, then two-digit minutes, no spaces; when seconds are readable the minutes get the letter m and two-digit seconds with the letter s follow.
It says 10h31
